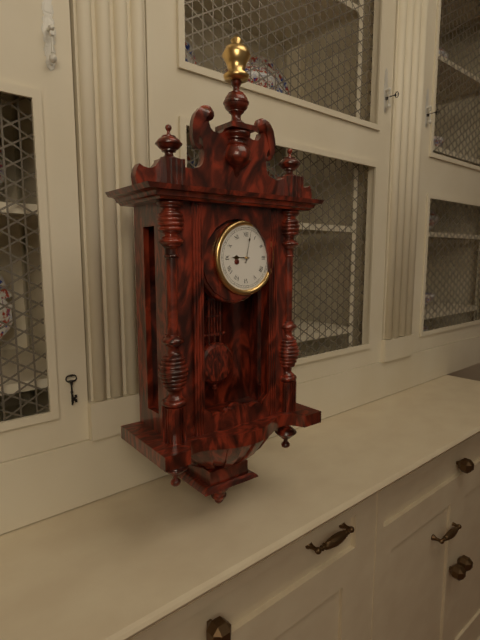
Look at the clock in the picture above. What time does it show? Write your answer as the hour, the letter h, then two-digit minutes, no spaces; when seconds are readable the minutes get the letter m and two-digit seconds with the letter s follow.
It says 9h02
